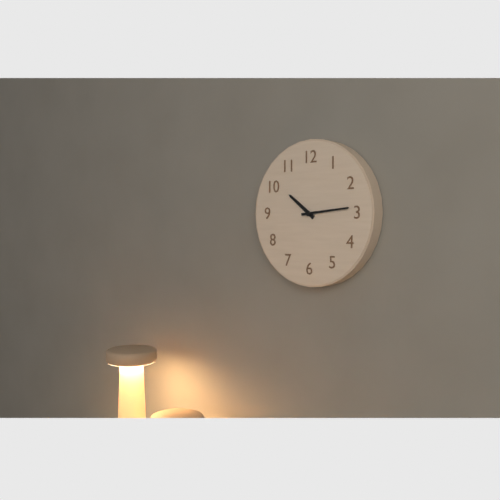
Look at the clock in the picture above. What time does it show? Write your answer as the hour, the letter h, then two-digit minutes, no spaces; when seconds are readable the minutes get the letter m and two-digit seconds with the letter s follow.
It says 10h14
